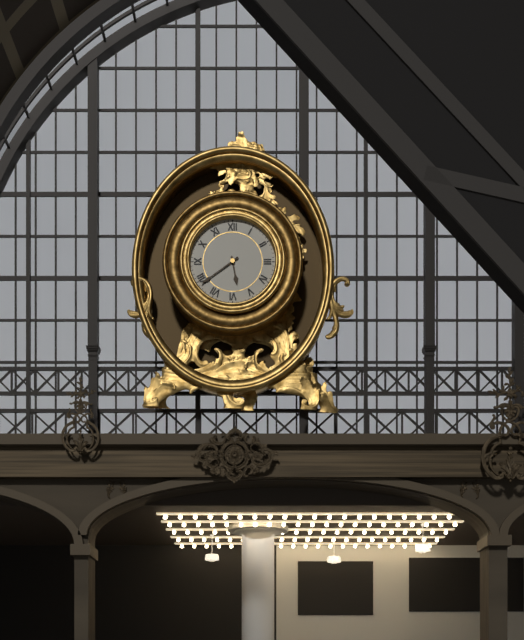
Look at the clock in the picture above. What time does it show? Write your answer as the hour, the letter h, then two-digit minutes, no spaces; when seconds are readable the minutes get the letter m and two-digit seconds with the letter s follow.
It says 5h39
